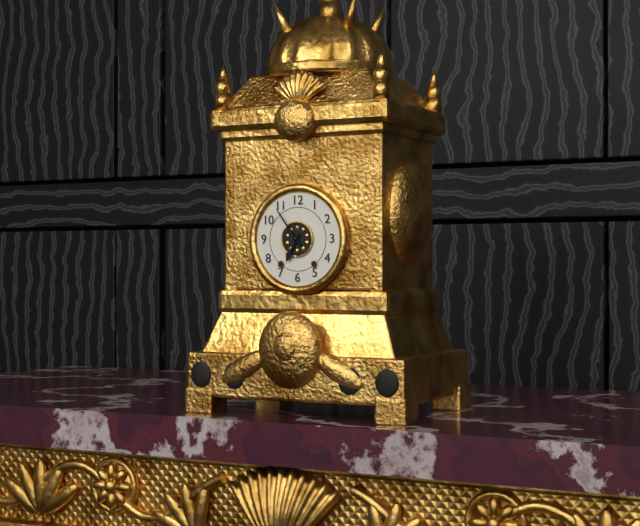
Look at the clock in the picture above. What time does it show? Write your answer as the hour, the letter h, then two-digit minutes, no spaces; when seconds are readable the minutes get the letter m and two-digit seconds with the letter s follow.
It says 6h54
